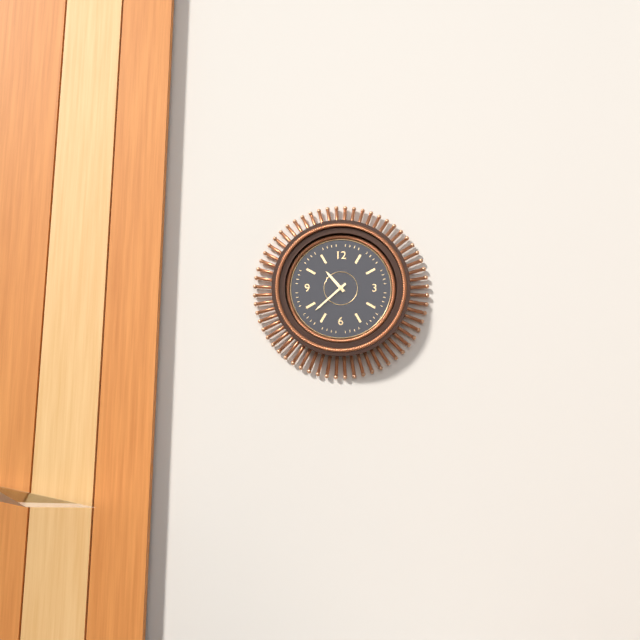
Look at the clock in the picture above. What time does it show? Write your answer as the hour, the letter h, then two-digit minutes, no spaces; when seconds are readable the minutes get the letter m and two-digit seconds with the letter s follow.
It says 10h38
